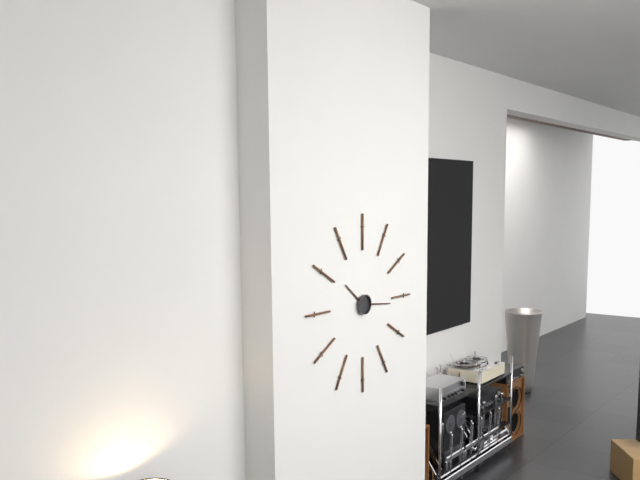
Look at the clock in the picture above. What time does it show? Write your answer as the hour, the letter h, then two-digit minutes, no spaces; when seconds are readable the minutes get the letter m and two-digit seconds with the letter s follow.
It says 10h16
